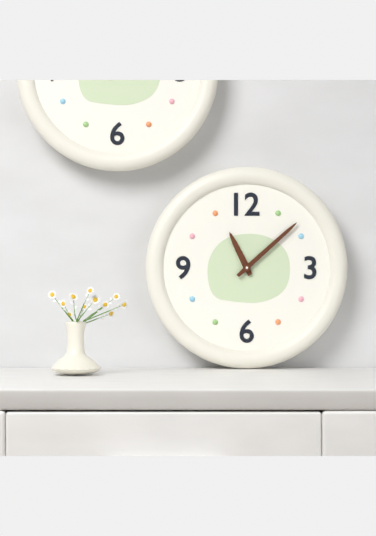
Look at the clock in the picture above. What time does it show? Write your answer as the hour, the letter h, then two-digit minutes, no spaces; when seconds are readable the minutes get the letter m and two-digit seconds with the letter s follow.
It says 11h08
